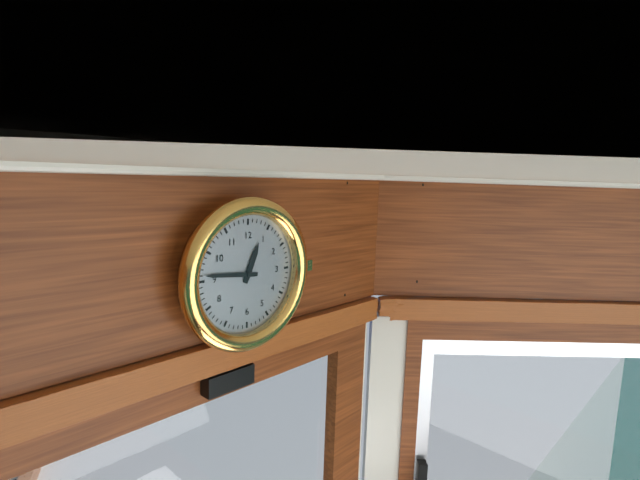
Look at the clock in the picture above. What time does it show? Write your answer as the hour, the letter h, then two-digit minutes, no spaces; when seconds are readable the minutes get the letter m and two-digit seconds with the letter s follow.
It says 12h46
